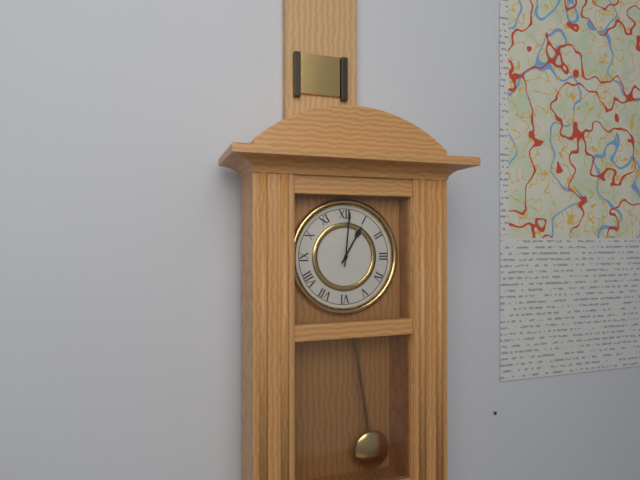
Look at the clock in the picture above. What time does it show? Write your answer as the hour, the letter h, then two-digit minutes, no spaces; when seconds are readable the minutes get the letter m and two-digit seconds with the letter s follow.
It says 1h01
